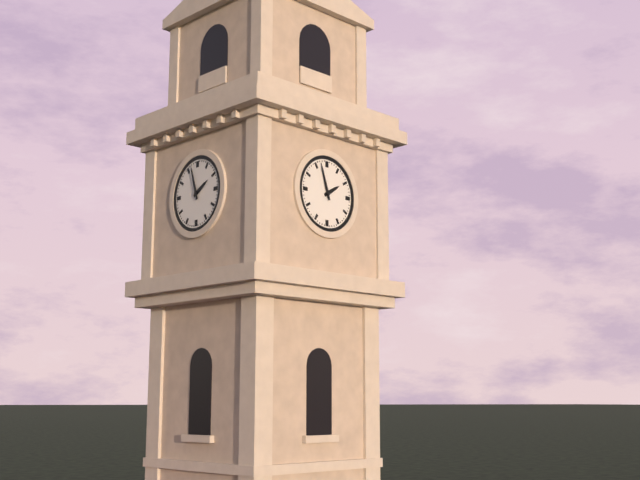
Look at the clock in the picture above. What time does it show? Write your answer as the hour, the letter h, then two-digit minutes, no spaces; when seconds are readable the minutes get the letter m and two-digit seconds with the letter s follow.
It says 1h57
